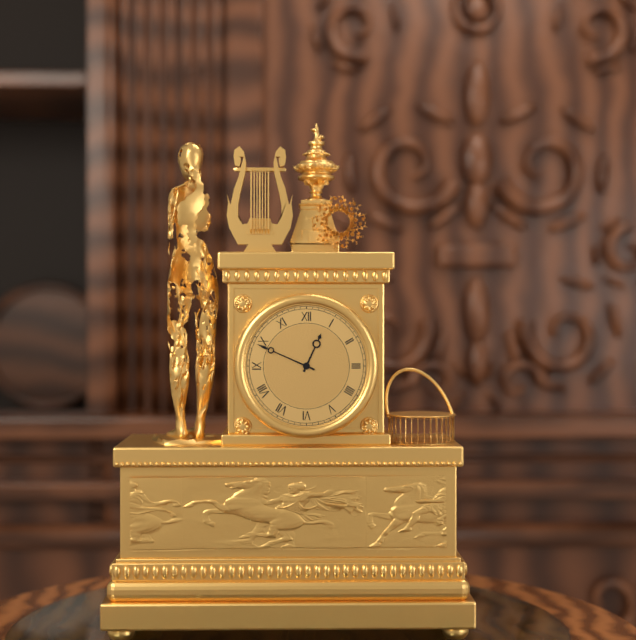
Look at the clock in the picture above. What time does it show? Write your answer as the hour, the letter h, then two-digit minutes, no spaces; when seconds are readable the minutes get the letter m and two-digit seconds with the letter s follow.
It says 12h49
